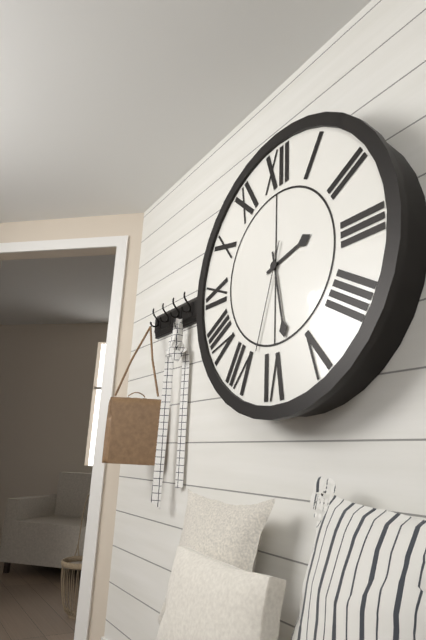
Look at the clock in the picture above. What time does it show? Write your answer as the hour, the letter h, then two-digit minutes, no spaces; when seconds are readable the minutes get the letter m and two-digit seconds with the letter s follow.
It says 2h28m33s
